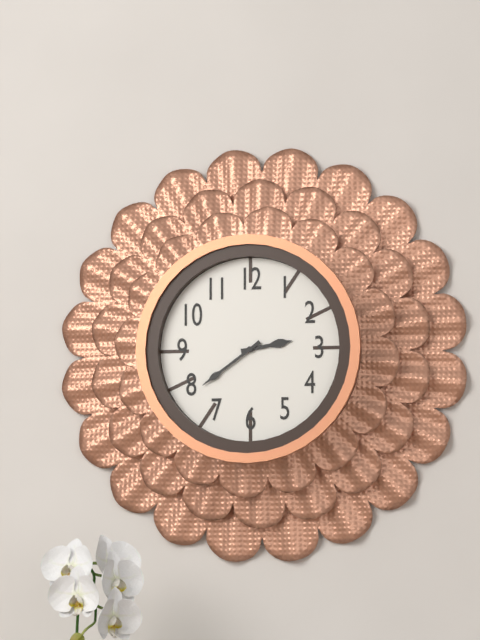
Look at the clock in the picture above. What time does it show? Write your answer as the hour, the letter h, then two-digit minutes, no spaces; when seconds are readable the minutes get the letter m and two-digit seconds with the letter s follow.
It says 2h39
